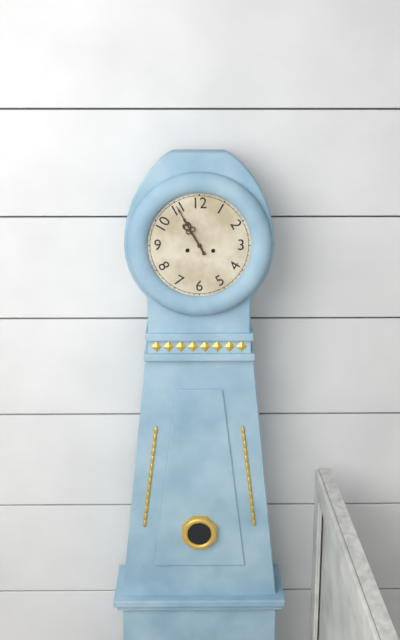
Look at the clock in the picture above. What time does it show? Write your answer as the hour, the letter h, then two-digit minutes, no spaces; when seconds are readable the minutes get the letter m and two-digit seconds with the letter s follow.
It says 10h55
